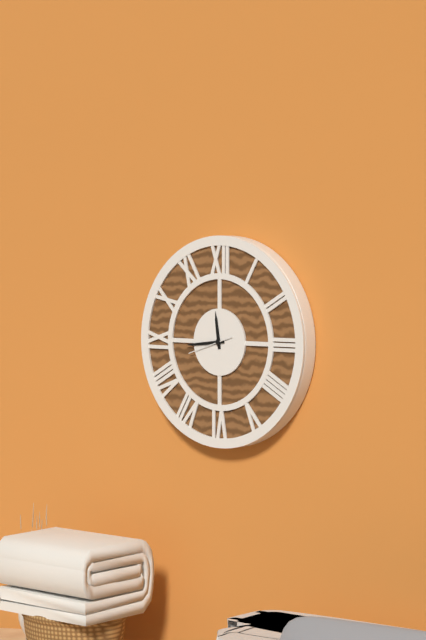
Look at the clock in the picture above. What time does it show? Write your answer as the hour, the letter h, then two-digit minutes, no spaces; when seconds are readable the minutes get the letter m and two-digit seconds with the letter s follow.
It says 11h44m42s
